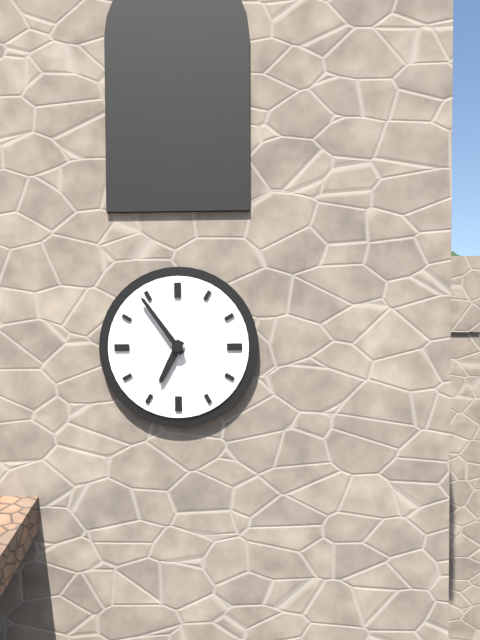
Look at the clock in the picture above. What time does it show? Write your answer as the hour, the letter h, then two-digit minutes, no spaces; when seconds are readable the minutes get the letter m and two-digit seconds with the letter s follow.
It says 6h54
